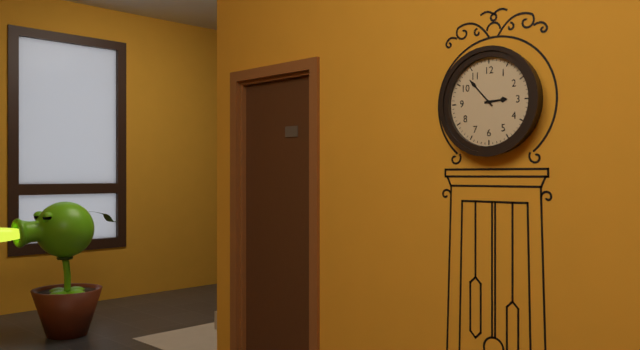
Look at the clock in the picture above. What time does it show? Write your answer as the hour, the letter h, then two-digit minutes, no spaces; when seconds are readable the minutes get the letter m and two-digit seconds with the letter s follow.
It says 2h53
